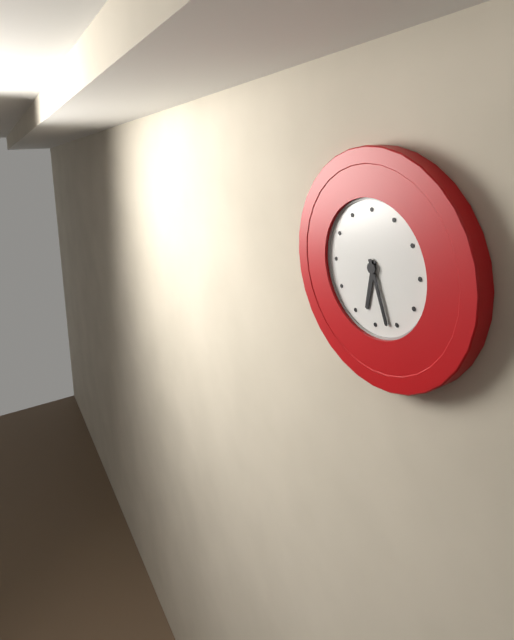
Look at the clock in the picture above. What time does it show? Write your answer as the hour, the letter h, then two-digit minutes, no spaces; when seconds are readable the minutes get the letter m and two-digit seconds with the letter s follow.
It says 6h27
